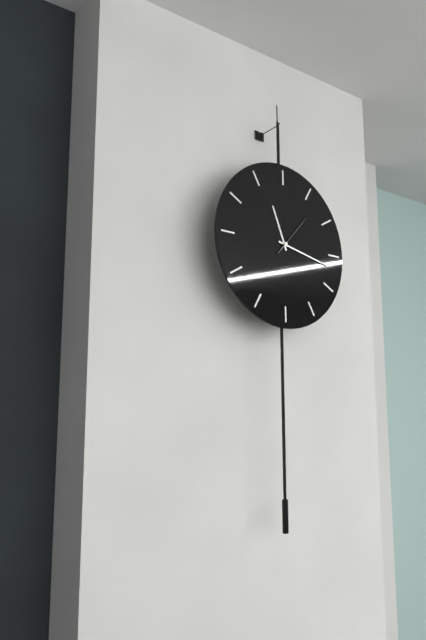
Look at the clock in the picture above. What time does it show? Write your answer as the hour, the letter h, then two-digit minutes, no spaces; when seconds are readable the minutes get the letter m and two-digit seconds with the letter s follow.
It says 11h17
